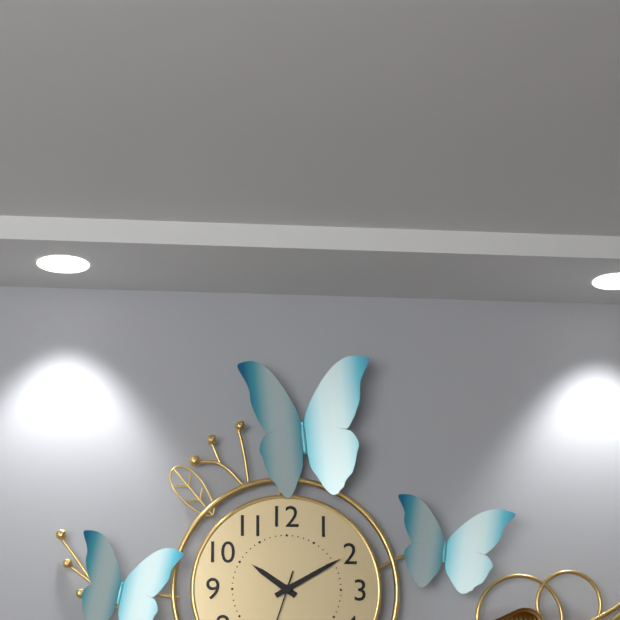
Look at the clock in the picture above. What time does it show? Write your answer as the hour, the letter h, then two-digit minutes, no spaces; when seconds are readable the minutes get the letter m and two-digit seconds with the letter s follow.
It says 10h10
